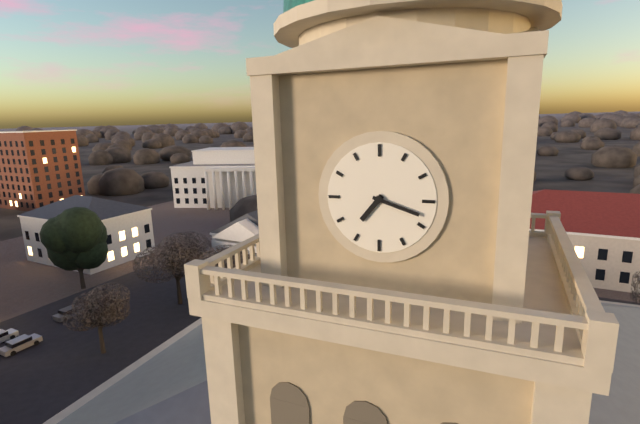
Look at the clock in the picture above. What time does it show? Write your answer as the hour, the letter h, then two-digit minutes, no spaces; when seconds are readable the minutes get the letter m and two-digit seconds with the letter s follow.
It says 7h18
